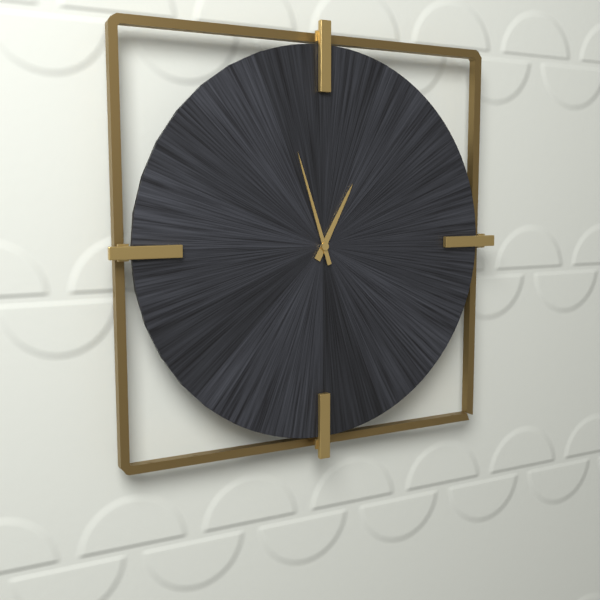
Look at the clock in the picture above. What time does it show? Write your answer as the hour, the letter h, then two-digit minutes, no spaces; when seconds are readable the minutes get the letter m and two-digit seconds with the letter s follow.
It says 12h57
